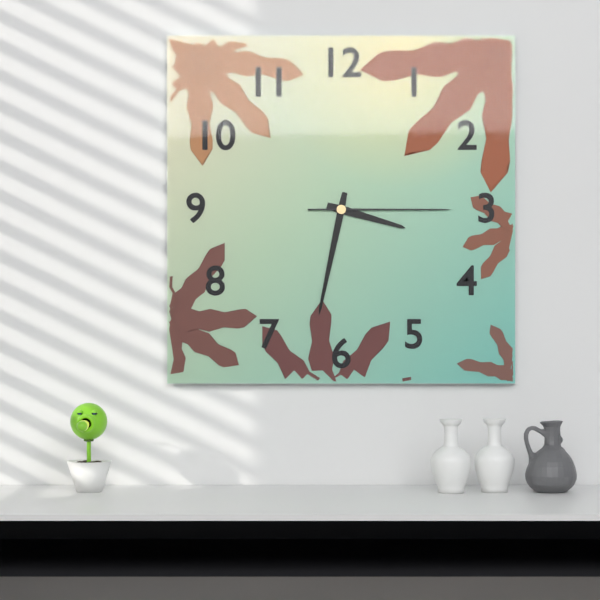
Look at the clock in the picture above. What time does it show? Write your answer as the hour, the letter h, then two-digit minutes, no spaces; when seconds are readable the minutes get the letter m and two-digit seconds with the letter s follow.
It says 3h32m15s
